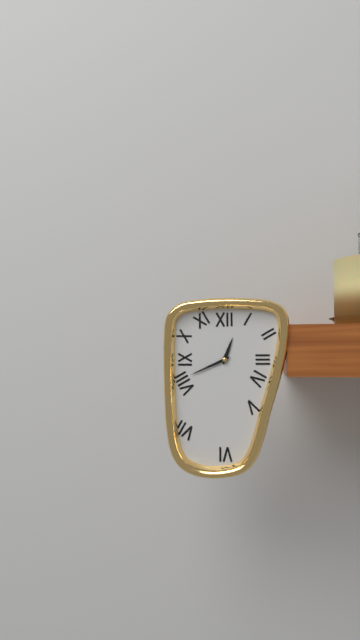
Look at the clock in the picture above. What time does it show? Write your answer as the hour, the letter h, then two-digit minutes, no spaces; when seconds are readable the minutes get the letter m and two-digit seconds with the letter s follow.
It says 12h41
